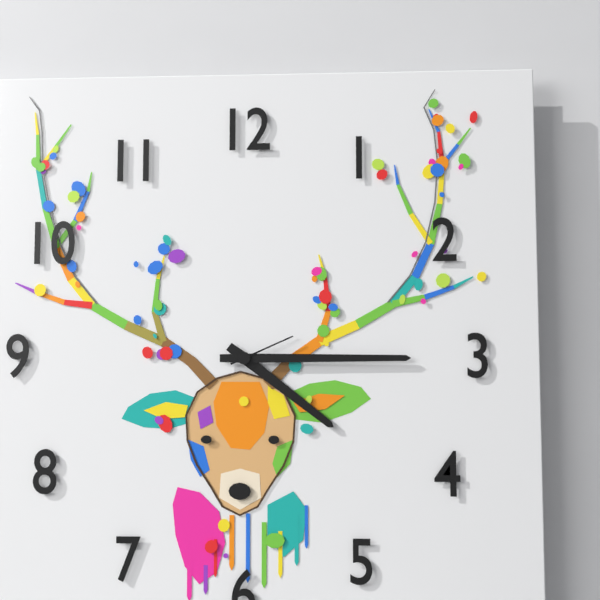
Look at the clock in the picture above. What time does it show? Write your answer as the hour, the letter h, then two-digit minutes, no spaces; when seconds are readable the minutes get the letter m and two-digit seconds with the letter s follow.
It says 4h15m11s
